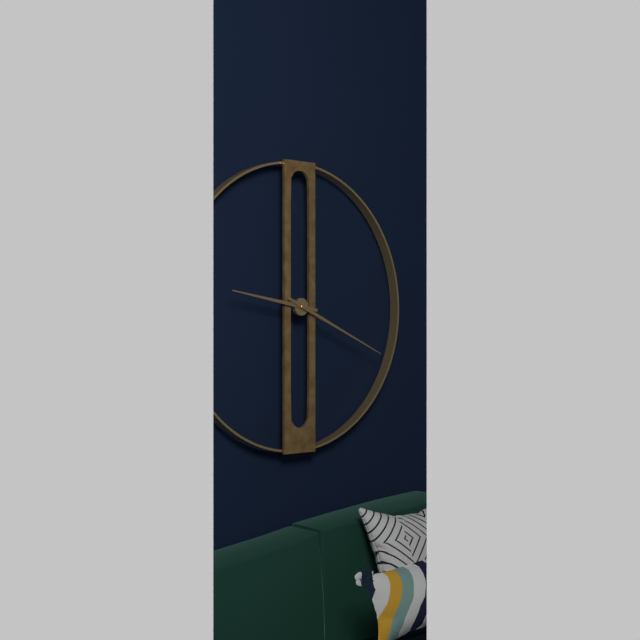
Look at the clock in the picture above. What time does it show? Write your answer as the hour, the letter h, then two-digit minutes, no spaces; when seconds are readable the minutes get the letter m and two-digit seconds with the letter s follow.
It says 9h19
